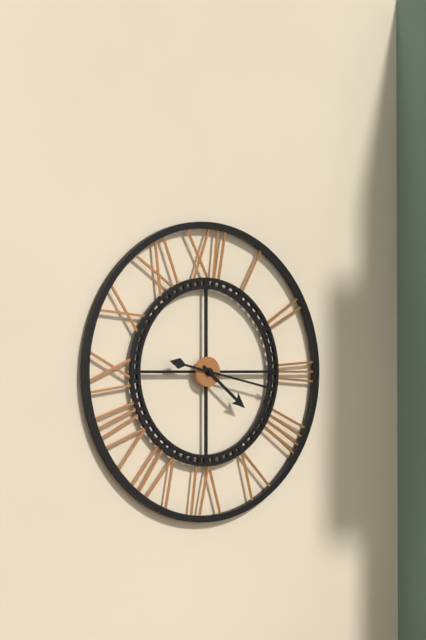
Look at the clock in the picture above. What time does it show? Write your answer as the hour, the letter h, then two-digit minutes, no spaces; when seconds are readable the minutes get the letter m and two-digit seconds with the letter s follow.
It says 4h17
